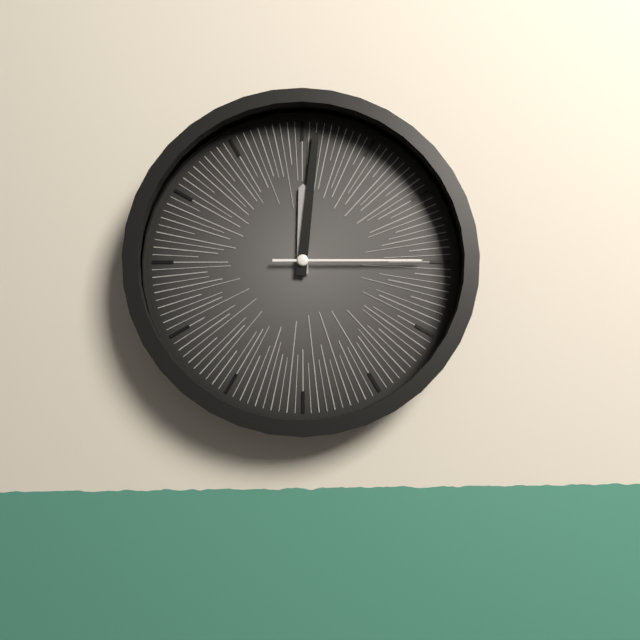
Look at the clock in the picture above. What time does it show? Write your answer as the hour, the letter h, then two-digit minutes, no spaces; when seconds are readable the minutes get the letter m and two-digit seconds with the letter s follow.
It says 12h01m15s
